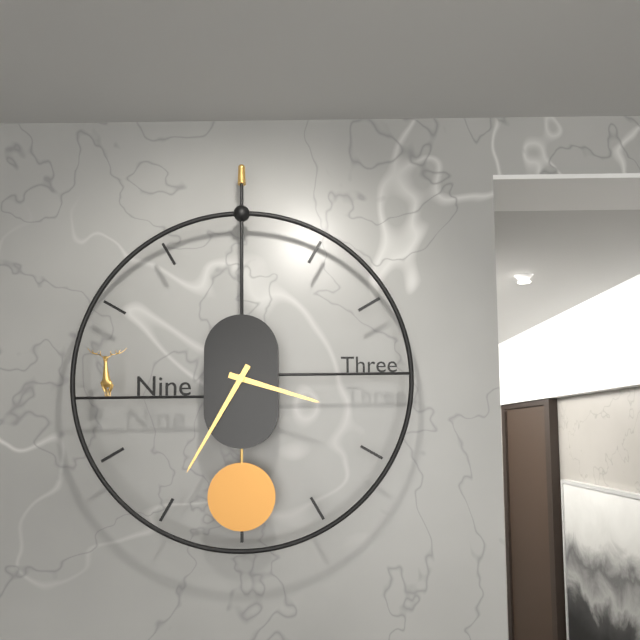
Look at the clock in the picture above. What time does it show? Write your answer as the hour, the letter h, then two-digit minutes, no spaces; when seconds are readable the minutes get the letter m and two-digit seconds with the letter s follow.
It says 3h35
